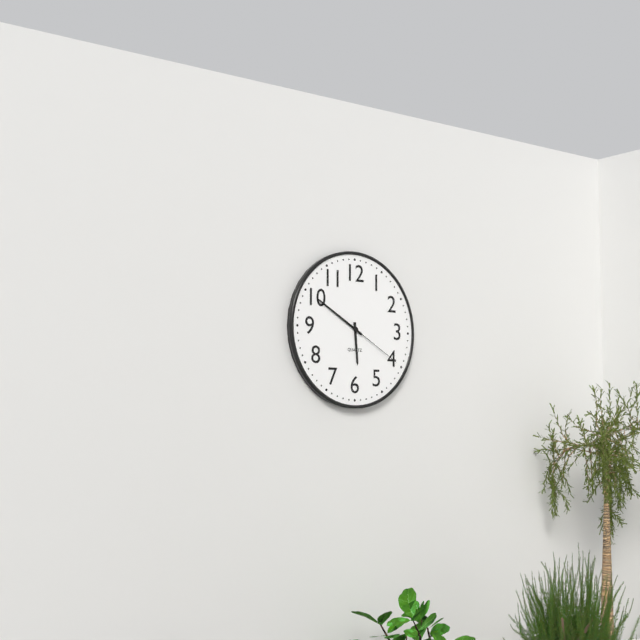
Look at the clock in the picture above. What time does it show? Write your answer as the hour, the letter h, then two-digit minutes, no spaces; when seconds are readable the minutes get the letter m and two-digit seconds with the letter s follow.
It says 5h50m20s
